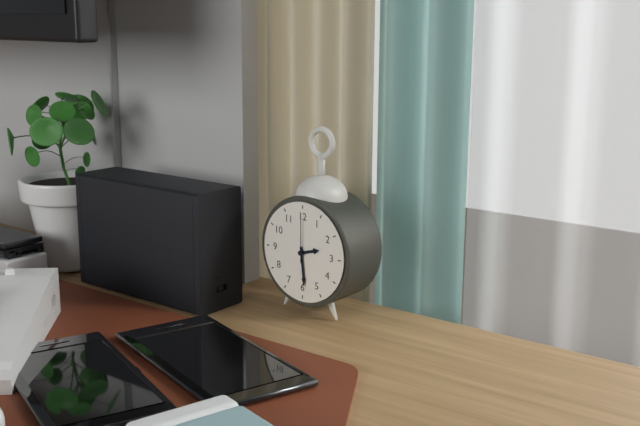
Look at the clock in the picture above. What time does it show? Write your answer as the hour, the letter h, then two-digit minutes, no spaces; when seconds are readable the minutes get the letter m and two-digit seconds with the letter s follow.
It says 2h29
